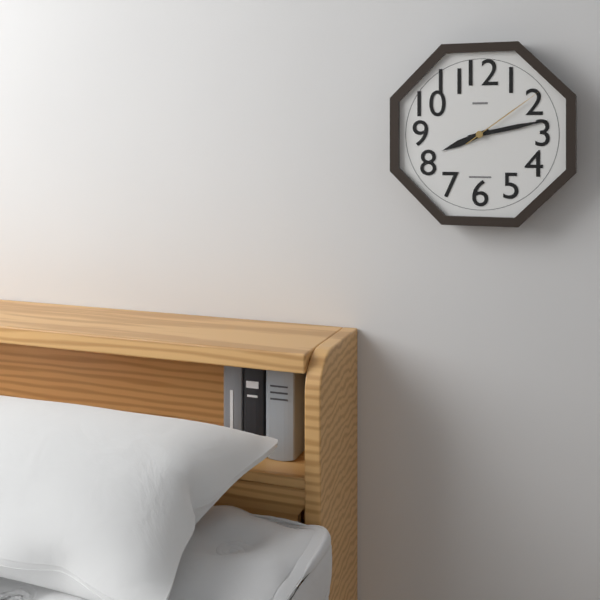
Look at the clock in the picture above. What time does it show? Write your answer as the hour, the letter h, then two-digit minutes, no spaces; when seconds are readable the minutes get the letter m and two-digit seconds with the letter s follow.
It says 8h13m09s
